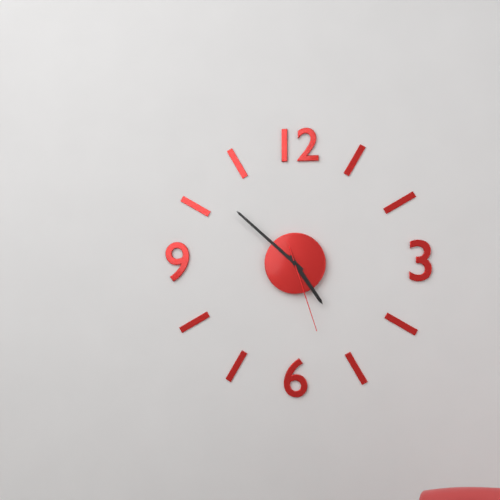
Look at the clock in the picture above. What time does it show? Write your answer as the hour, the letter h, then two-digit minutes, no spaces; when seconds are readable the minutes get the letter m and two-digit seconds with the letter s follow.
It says 4h52m27s
